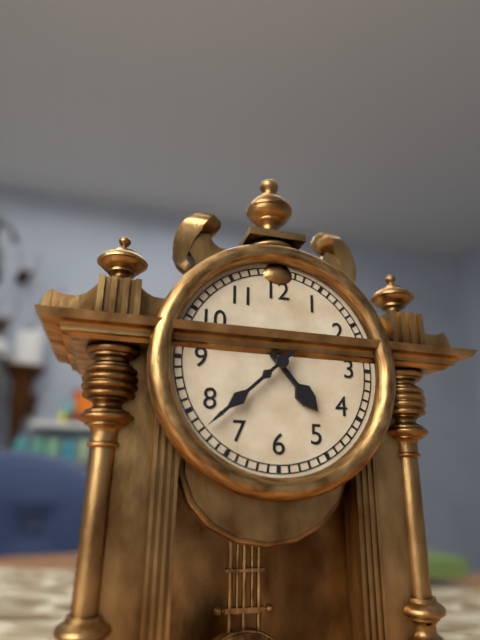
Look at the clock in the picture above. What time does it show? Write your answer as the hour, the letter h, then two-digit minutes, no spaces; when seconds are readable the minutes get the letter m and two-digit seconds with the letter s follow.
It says 4h38
